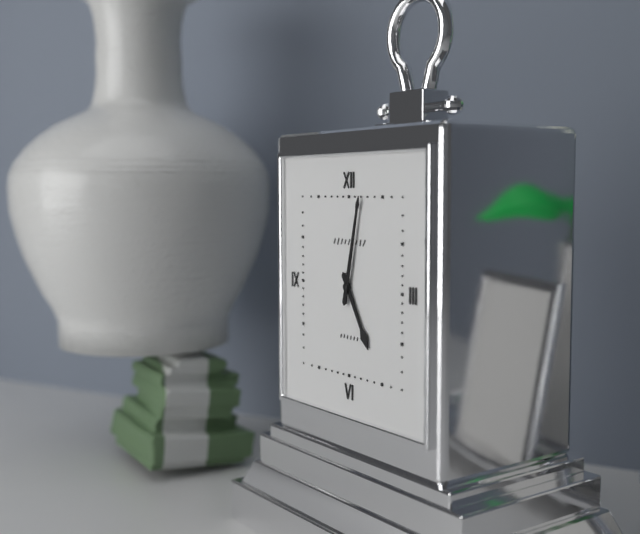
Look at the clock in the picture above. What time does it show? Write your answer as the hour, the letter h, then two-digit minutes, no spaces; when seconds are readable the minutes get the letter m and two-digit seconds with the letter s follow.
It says 5h02
